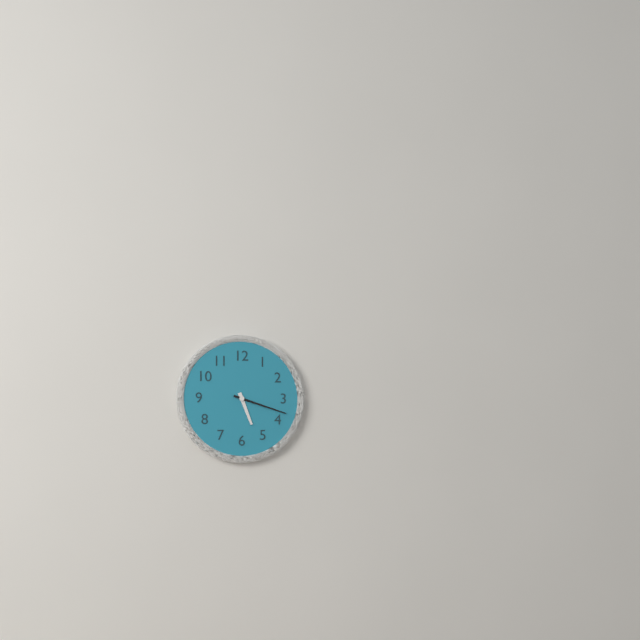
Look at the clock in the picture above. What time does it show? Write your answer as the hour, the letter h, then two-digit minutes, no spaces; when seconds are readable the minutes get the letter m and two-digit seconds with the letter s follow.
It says 5h18
